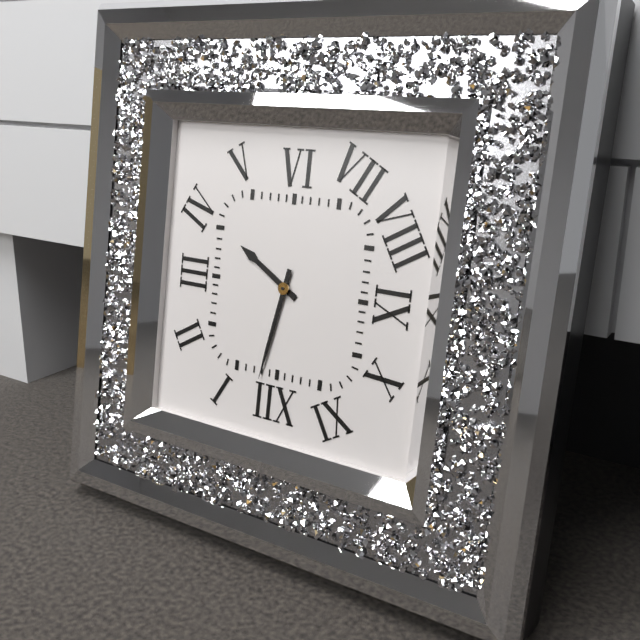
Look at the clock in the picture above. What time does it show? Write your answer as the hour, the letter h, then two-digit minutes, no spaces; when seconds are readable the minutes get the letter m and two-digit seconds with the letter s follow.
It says 4h02
